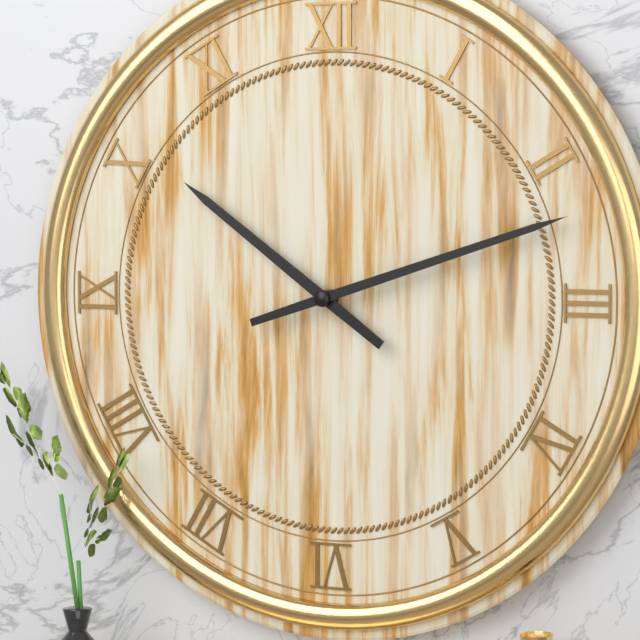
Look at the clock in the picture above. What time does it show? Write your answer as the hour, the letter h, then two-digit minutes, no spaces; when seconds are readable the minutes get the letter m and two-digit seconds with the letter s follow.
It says 10h12
